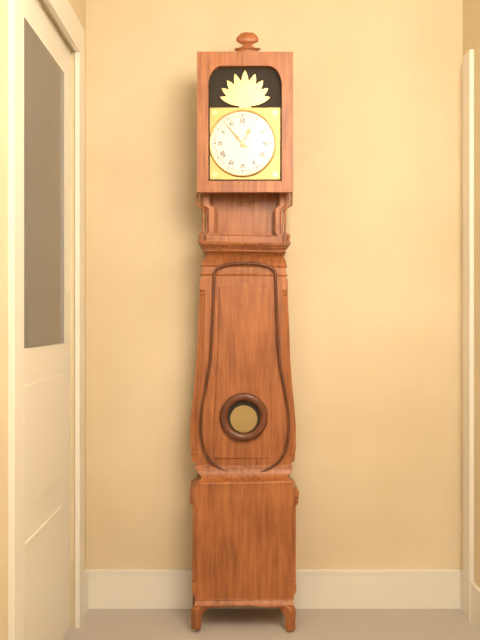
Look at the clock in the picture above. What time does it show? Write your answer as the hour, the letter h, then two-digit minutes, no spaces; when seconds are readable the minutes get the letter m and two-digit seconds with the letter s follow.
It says 12h53
